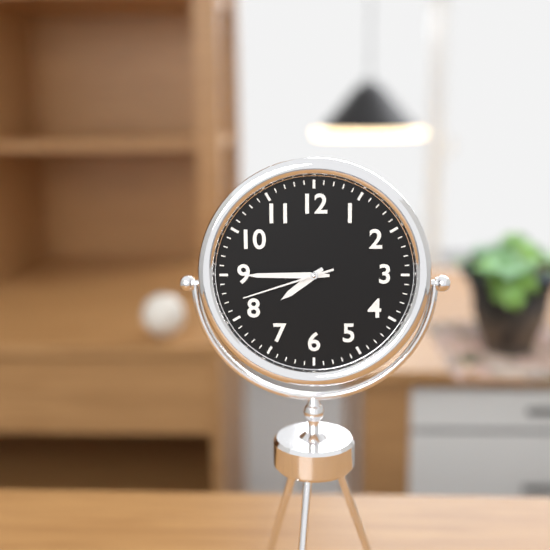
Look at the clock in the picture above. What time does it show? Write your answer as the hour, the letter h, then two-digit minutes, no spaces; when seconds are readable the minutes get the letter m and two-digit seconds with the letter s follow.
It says 7h45m42s
